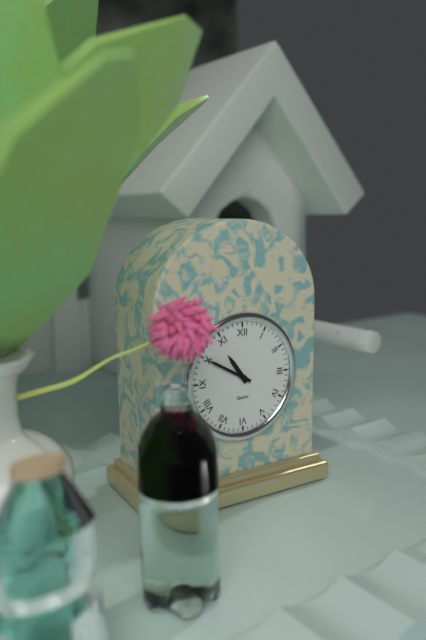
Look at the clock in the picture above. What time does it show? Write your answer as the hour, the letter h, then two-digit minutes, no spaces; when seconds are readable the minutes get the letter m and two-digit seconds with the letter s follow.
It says 10h50
